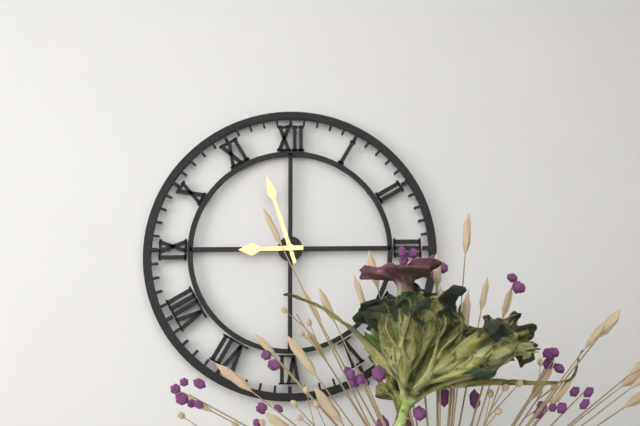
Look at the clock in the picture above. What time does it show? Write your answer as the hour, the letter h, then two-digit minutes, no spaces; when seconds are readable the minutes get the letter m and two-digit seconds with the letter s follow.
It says 8h57
